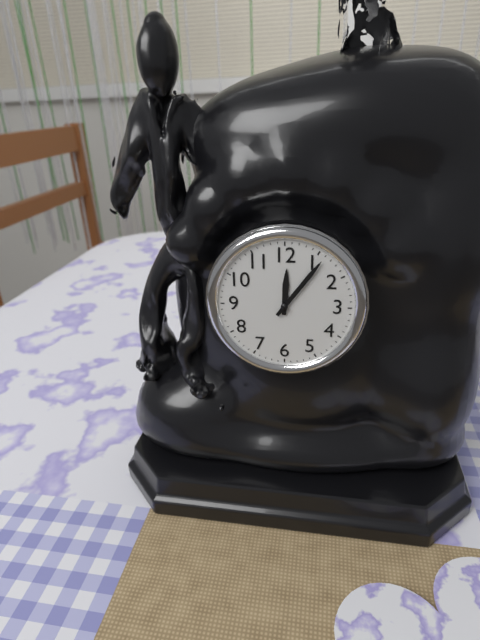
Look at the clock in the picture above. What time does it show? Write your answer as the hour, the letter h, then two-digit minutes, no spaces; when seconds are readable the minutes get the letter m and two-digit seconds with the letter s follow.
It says 12h06
